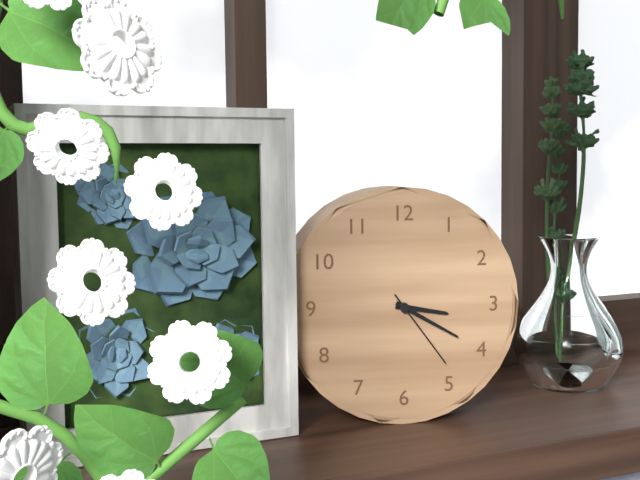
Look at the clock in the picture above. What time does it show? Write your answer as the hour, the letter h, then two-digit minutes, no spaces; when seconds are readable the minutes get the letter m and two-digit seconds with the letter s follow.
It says 3h20m24s
